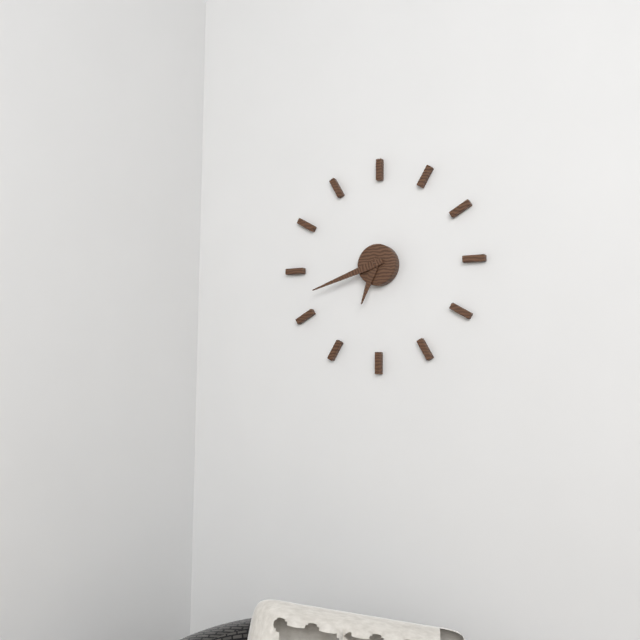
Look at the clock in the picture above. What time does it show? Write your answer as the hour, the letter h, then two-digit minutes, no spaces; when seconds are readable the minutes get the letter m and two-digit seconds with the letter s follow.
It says 6h42
